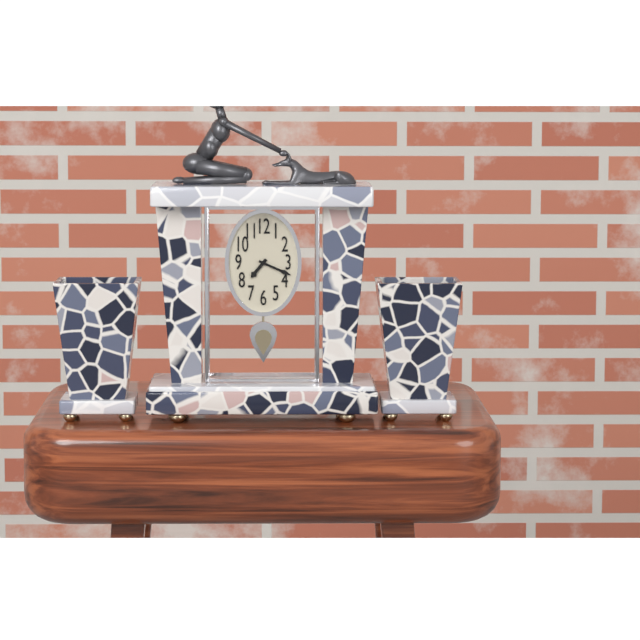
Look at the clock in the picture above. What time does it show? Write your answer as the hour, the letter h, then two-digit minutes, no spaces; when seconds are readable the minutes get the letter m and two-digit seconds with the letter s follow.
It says 7h19
